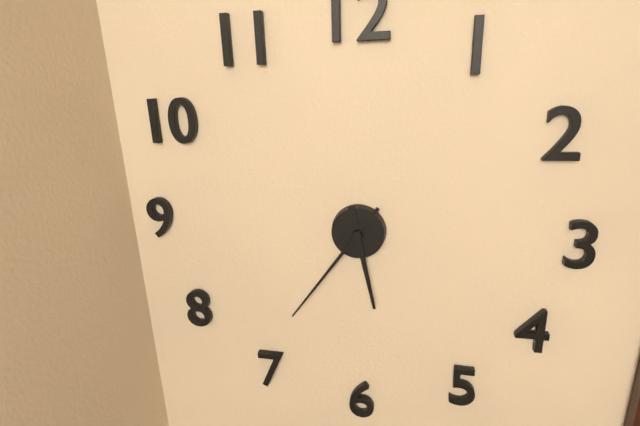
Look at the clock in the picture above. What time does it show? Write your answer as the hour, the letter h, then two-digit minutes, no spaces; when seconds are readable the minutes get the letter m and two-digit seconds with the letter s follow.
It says 5h36
